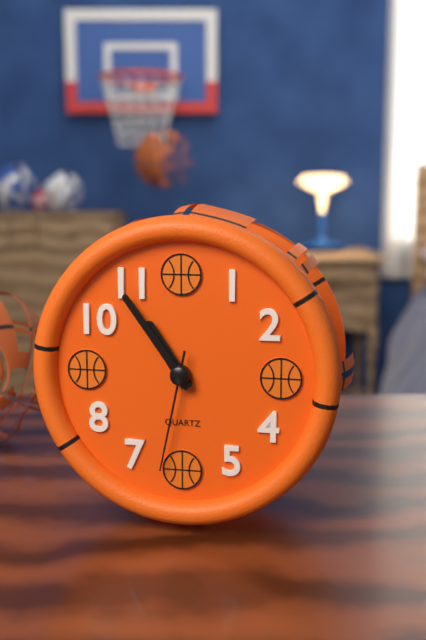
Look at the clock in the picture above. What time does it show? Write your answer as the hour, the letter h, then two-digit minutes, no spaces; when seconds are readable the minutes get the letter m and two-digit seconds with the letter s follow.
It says 10h54m32s
